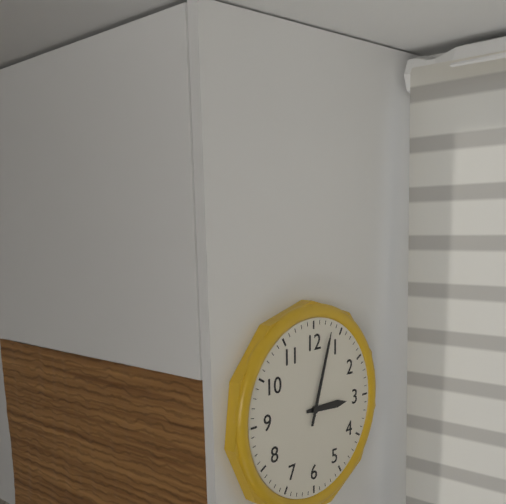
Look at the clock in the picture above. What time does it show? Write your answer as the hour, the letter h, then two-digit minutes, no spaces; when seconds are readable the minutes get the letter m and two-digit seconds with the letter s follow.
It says 3h03
